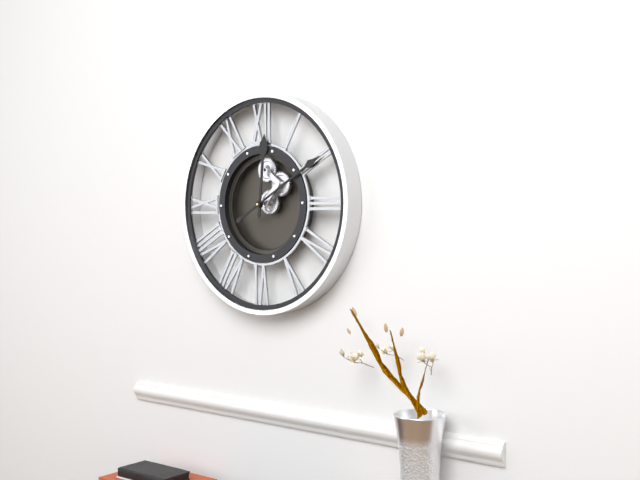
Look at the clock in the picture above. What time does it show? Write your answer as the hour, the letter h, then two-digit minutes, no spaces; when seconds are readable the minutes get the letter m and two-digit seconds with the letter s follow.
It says 12h10
